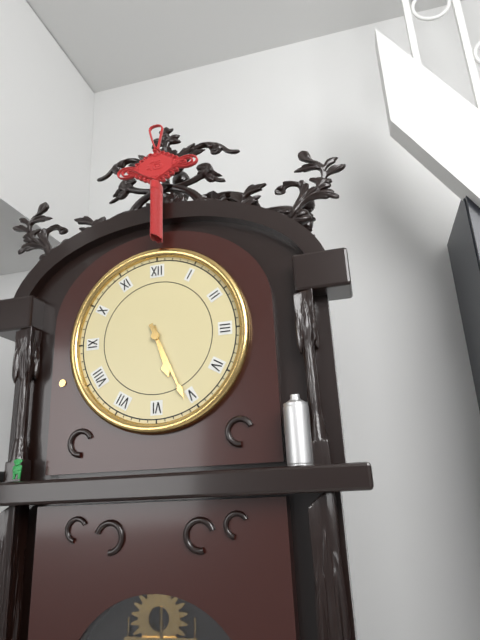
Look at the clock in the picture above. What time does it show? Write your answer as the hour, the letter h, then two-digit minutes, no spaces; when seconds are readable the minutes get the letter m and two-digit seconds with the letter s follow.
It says 5h26
